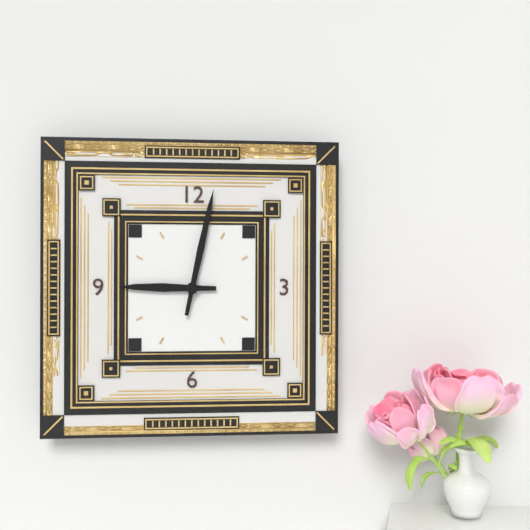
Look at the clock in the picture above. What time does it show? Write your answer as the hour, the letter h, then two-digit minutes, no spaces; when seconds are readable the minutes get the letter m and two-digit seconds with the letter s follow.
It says 9h02
